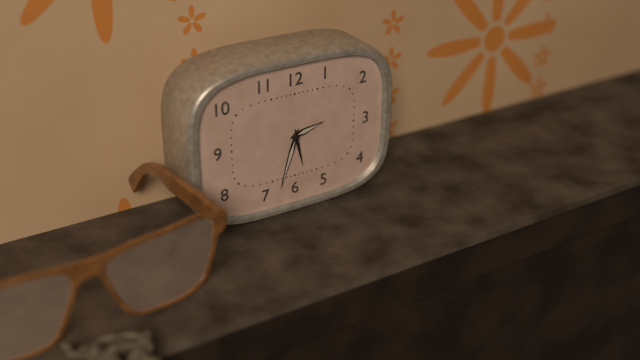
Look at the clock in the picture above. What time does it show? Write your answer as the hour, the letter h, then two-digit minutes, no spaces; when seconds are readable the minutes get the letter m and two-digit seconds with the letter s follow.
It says 2h33
